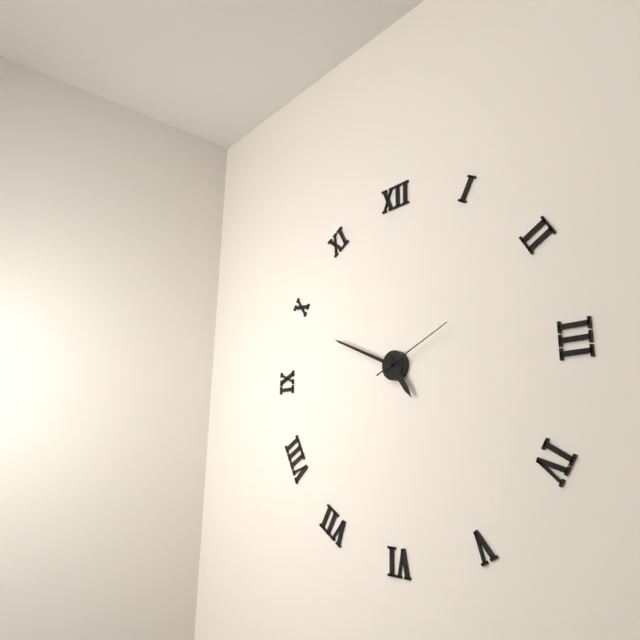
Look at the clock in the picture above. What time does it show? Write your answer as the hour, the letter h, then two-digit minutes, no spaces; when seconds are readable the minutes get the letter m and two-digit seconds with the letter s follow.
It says 4h49m11s
